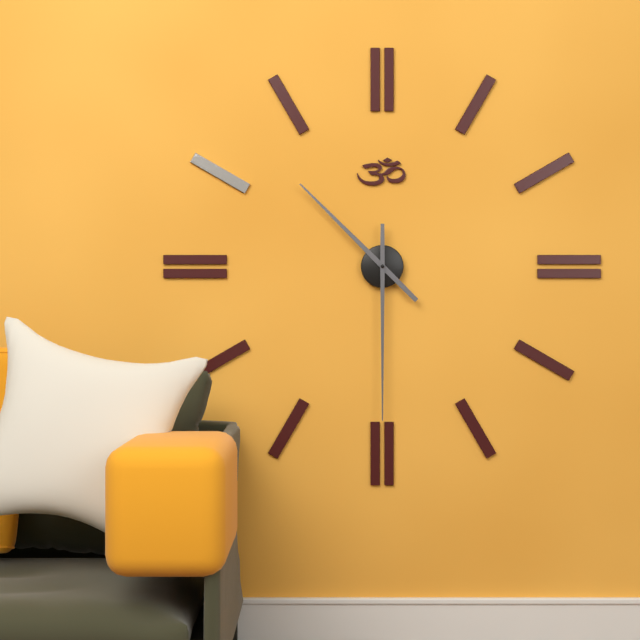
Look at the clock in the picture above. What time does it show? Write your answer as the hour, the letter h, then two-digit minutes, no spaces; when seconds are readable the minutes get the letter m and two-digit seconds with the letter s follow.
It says 10h30
